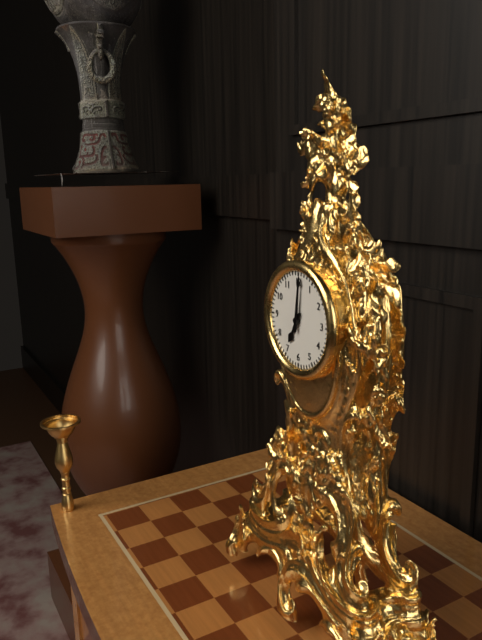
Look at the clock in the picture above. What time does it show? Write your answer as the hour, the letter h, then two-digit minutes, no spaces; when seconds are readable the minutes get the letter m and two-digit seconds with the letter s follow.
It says 7h01
